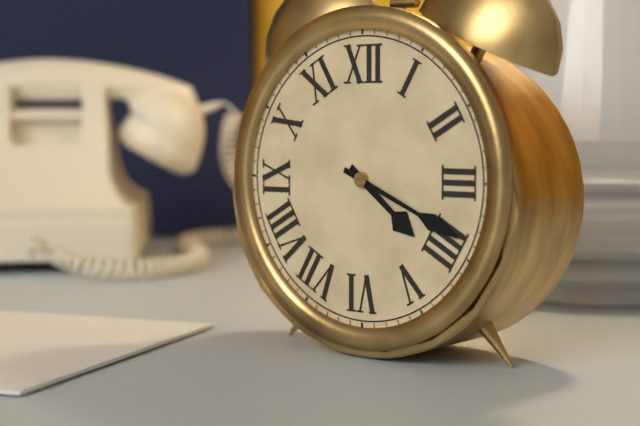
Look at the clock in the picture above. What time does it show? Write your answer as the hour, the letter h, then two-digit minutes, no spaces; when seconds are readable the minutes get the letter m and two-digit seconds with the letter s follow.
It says 4h19
